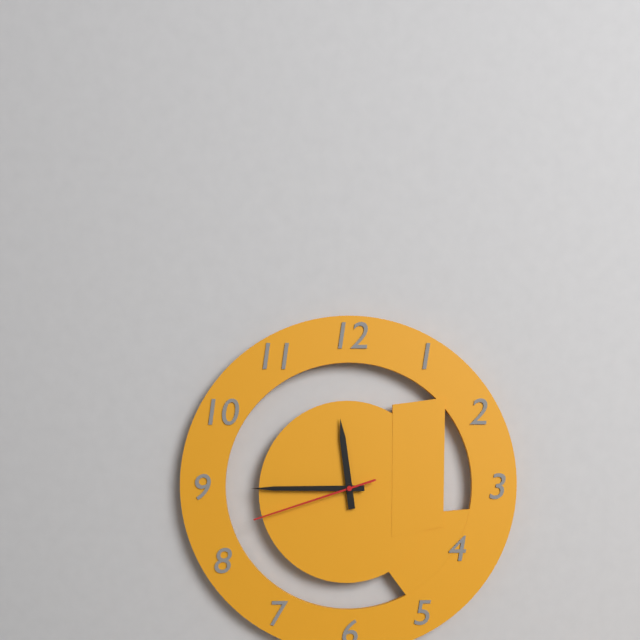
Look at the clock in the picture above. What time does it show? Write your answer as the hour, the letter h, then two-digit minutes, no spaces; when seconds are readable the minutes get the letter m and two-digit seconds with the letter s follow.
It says 11h45m42s
